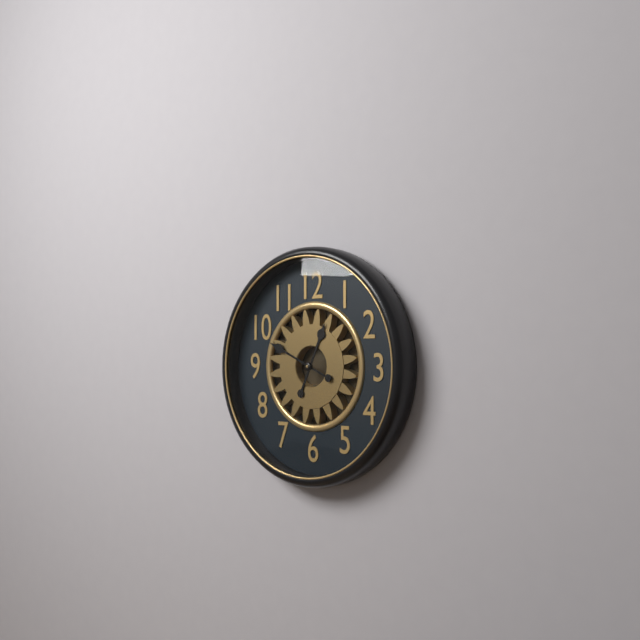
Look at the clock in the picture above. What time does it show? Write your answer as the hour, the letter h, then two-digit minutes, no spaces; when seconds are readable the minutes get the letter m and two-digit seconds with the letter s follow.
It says 12h49
